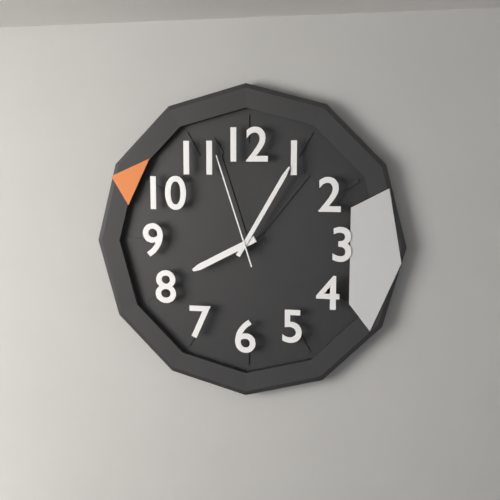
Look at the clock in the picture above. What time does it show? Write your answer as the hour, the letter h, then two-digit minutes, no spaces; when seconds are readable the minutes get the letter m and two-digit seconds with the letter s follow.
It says 8h05m57s
